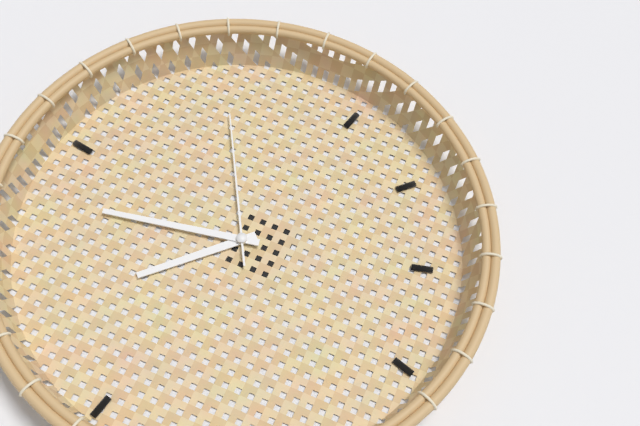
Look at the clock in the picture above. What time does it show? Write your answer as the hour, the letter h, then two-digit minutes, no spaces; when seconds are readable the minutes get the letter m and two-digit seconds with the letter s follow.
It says 4h28m40s
